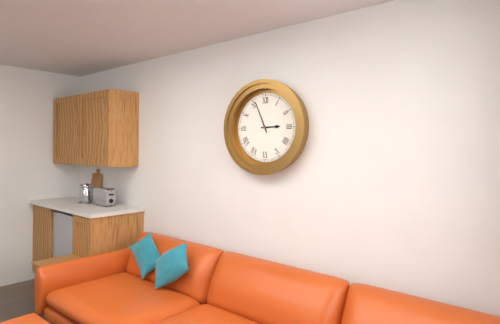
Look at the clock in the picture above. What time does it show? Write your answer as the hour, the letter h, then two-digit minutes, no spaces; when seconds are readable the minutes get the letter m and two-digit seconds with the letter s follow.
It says 2h56
